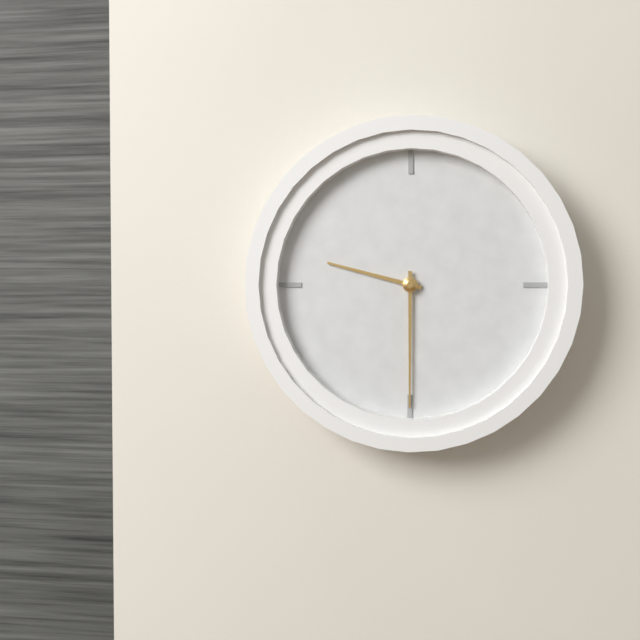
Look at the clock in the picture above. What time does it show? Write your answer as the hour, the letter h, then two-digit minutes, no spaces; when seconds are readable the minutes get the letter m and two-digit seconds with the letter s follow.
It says 9h30
